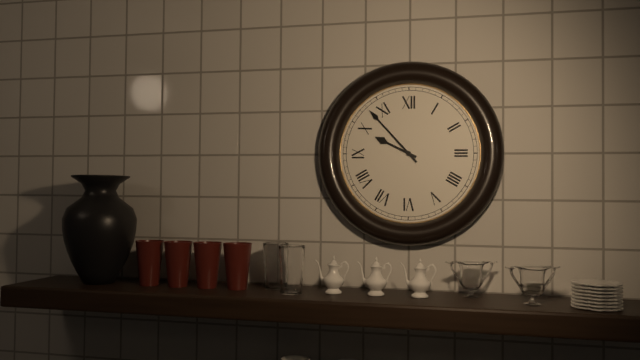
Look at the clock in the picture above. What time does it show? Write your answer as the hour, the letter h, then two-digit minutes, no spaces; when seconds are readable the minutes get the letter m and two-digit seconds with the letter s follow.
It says 9h53
